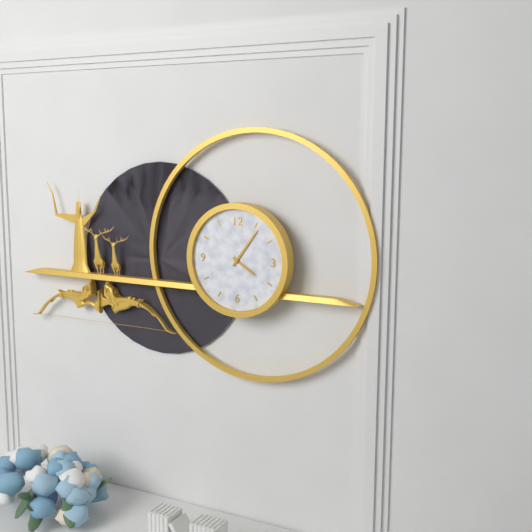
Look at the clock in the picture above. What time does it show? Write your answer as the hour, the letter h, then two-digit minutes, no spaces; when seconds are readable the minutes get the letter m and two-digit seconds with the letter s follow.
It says 4h06
